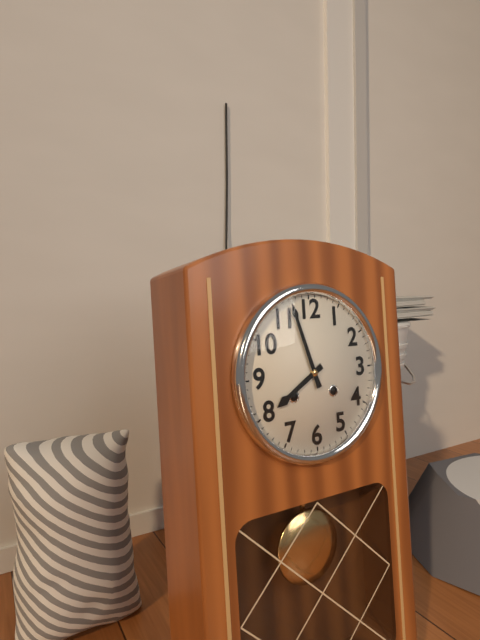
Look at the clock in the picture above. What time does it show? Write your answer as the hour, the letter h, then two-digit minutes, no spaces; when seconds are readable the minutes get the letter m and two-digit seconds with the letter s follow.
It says 7h57
